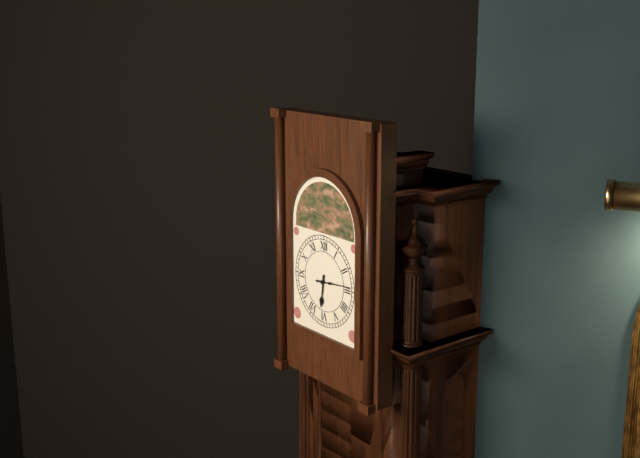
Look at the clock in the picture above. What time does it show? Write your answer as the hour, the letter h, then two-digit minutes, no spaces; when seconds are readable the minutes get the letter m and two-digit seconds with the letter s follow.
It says 6h14
